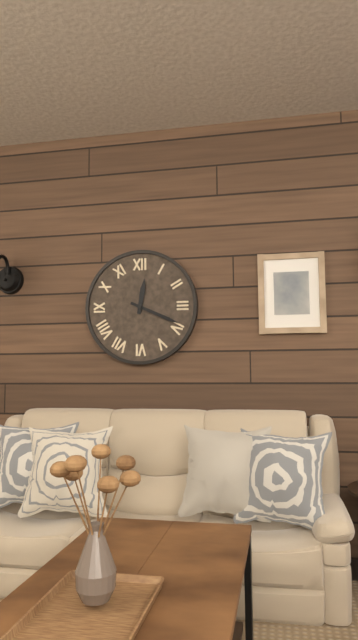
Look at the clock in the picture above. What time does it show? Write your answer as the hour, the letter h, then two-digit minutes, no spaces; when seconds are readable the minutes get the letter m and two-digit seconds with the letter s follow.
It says 12h19
